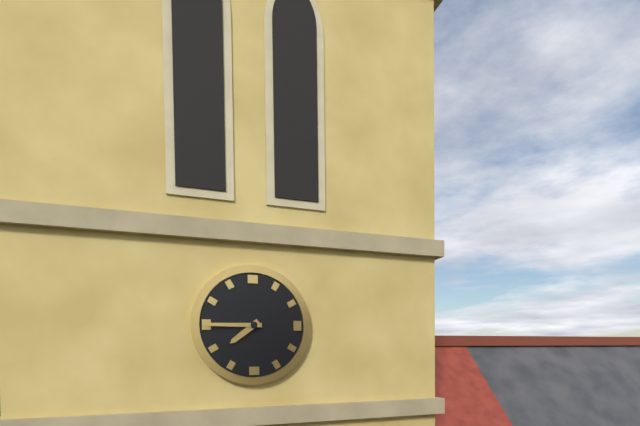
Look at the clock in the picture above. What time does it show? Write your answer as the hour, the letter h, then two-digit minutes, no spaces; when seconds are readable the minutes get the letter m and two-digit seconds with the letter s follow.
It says 7h45
